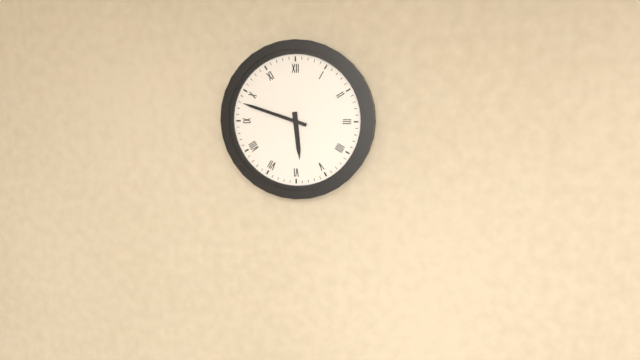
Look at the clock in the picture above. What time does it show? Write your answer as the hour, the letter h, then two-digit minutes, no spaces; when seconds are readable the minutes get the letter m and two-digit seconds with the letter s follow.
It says 5h48
